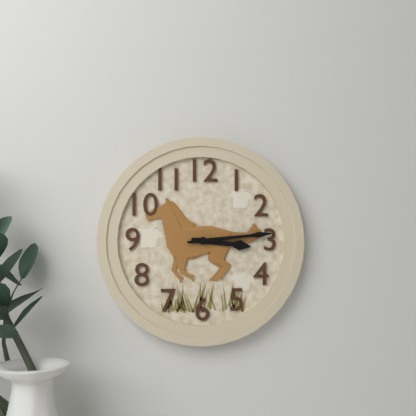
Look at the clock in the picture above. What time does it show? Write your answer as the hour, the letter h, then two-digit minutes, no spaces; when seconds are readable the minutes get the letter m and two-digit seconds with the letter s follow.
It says 3h14
